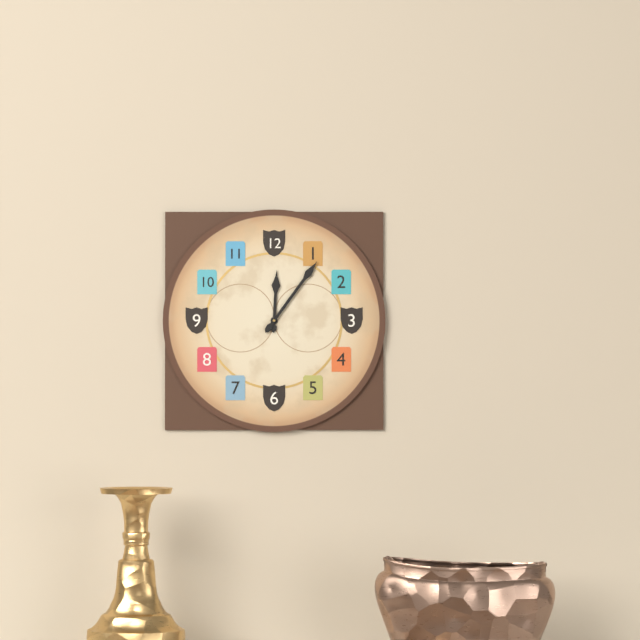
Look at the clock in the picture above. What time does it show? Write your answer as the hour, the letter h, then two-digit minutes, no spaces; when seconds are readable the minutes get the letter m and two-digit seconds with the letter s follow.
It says 12h06
